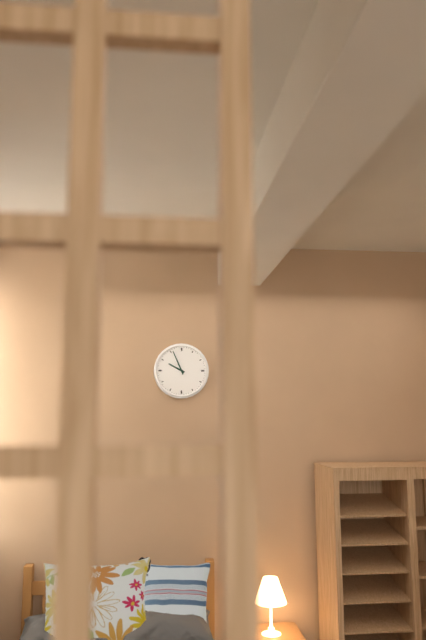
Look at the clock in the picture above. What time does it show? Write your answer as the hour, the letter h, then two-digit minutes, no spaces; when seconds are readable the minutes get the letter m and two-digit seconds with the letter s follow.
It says 9h56
